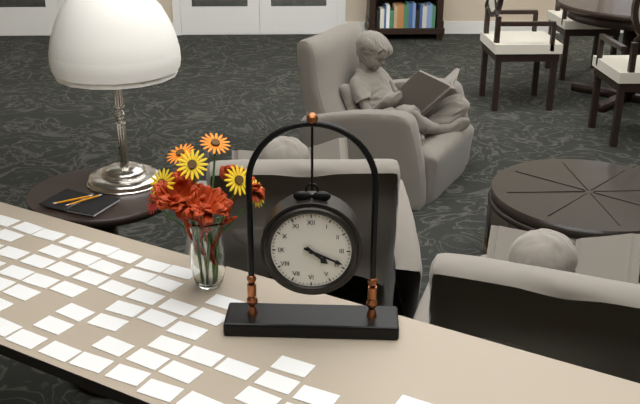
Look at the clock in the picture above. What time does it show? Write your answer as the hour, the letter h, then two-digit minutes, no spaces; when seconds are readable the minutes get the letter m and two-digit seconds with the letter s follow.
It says 4h19
